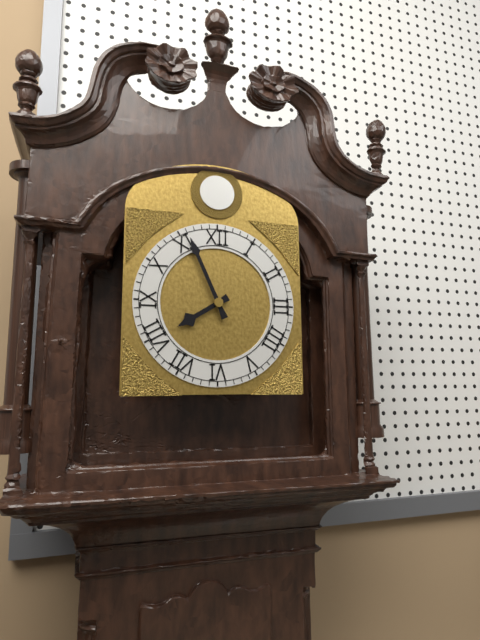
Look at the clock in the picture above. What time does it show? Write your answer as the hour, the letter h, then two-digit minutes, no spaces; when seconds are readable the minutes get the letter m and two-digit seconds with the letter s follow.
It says 7h56
